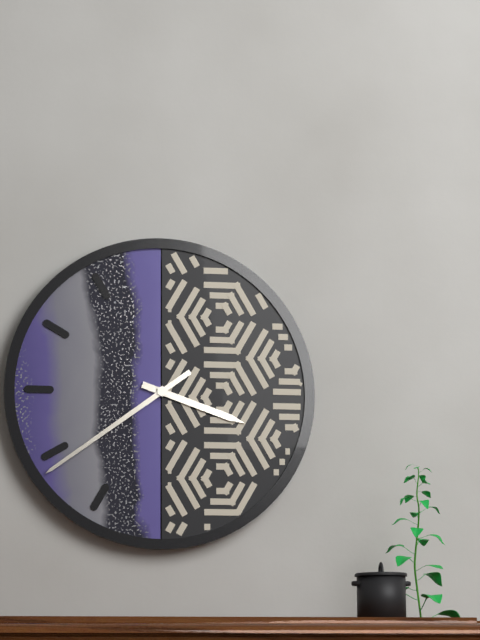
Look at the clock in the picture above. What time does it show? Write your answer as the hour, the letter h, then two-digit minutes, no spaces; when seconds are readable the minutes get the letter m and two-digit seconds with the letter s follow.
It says 3h39
